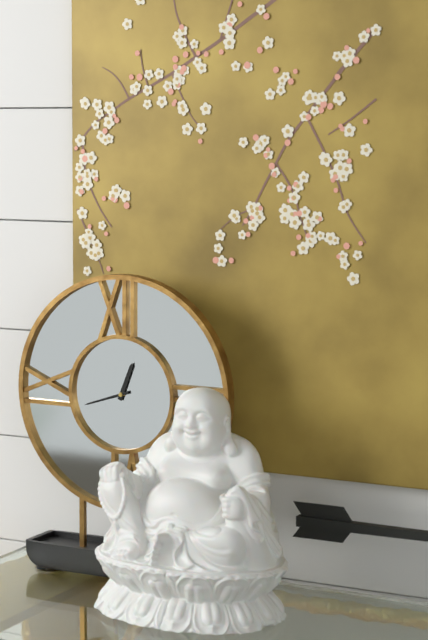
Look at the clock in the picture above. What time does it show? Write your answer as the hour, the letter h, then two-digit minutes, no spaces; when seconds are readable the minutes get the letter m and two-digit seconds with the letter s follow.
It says 12h42
